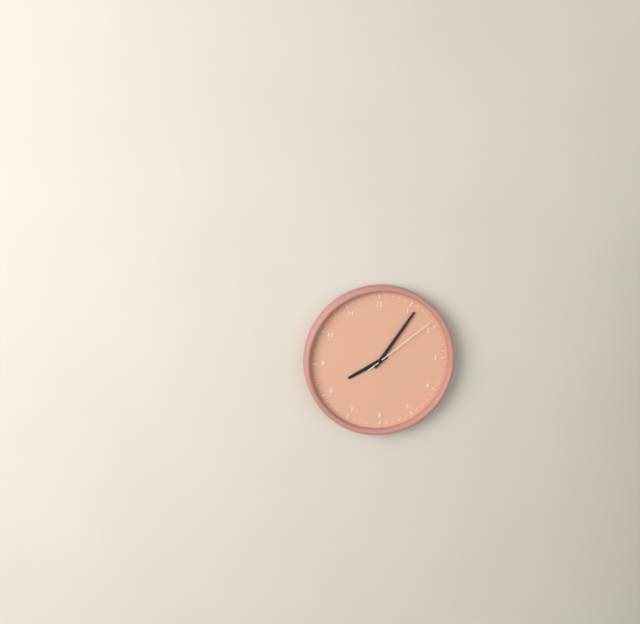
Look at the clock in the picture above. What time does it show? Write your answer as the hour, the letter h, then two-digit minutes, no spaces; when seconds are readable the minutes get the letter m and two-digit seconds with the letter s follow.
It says 8h06m09s
